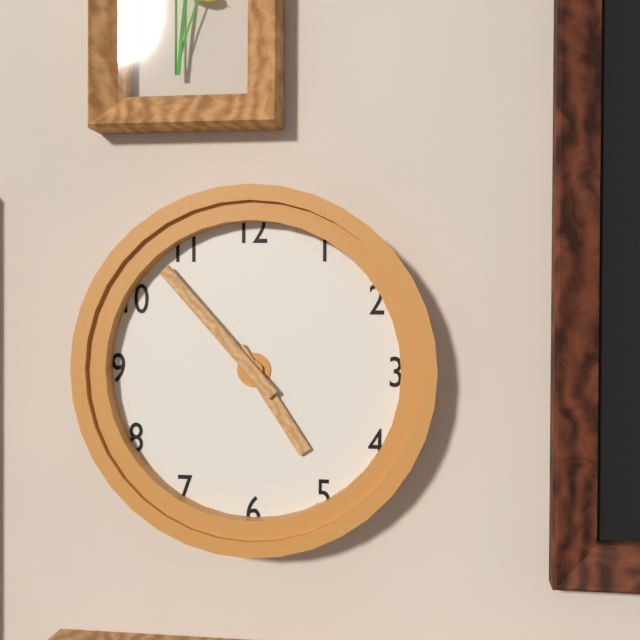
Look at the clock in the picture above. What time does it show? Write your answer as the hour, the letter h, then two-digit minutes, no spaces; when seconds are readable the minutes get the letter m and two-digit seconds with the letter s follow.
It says 4h53
